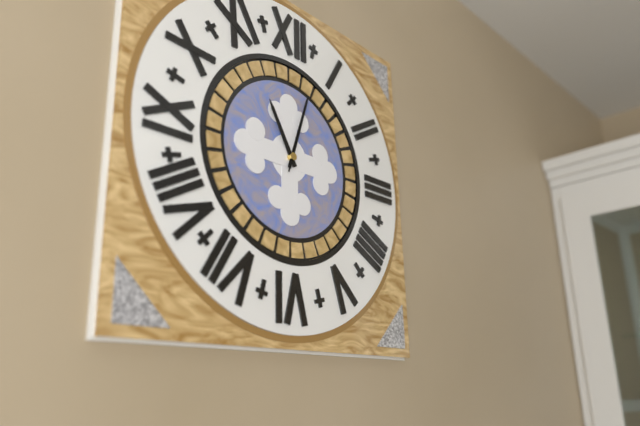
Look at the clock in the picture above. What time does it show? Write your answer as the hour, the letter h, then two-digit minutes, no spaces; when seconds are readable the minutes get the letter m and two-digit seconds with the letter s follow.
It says 11h03m03s
